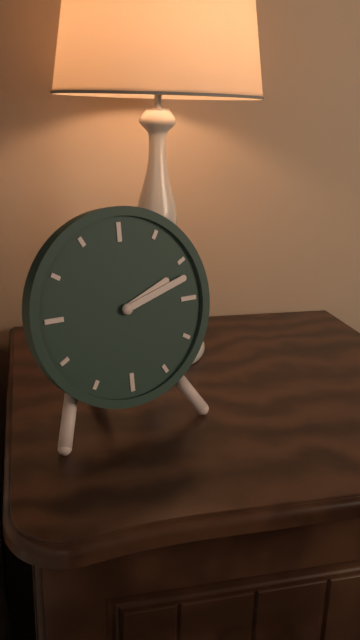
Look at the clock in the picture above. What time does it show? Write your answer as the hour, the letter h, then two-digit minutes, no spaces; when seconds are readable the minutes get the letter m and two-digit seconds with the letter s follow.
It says 2h12
